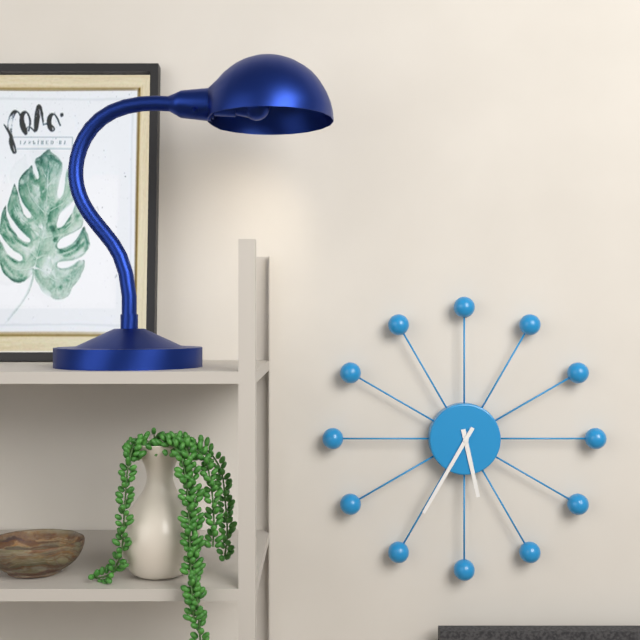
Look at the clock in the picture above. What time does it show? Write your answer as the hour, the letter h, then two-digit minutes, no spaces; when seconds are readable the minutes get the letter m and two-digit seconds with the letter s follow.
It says 5h35
